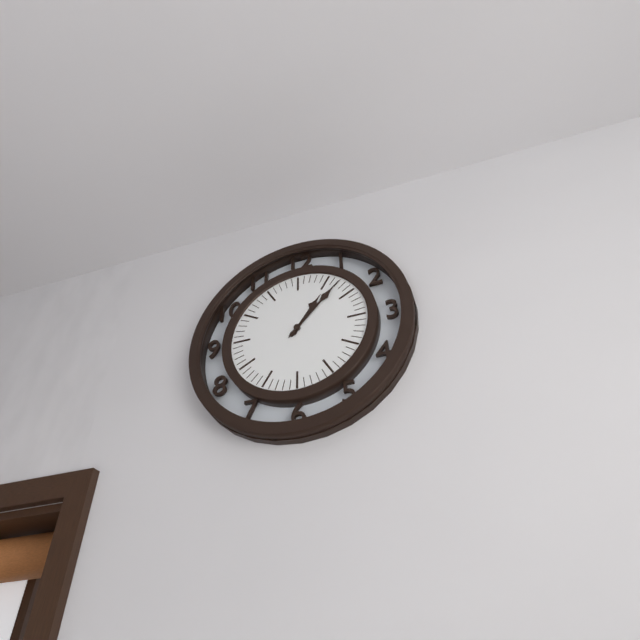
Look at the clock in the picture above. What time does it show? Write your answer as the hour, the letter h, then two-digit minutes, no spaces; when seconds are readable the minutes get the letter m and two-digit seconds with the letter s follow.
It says 1h07
